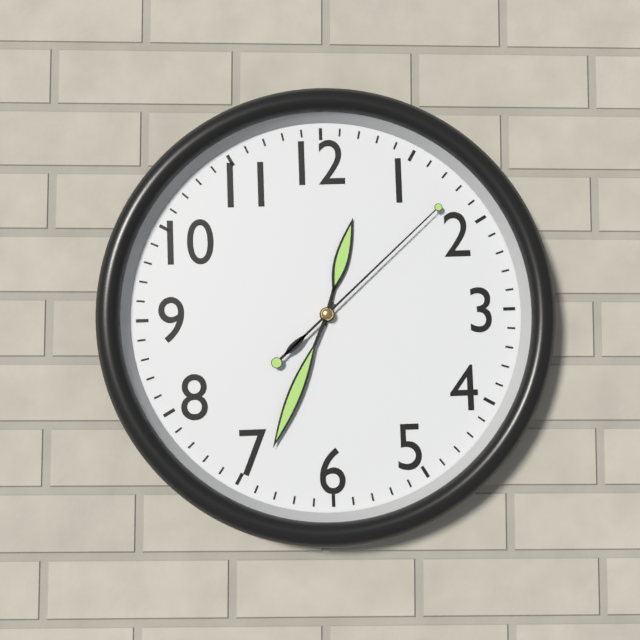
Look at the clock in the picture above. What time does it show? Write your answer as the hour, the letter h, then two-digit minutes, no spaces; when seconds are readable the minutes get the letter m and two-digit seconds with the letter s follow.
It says 12h34m08s
